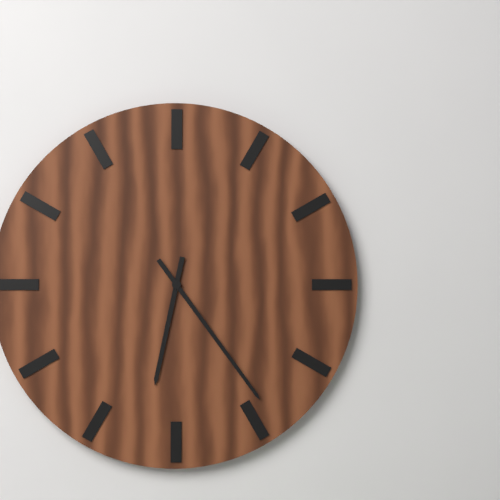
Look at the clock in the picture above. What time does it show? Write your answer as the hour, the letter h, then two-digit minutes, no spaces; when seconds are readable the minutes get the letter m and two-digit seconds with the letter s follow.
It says 6h24
